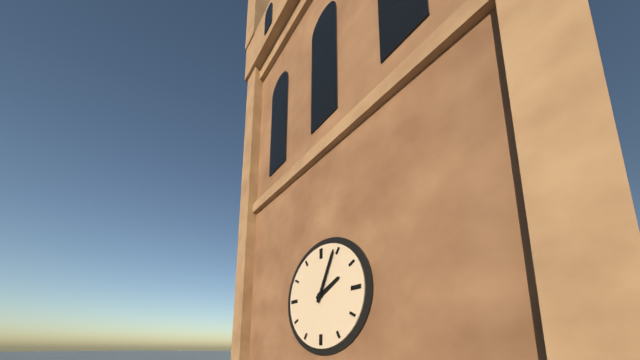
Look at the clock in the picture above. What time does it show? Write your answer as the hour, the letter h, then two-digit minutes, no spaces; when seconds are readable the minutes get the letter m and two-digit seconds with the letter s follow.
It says 2h04
